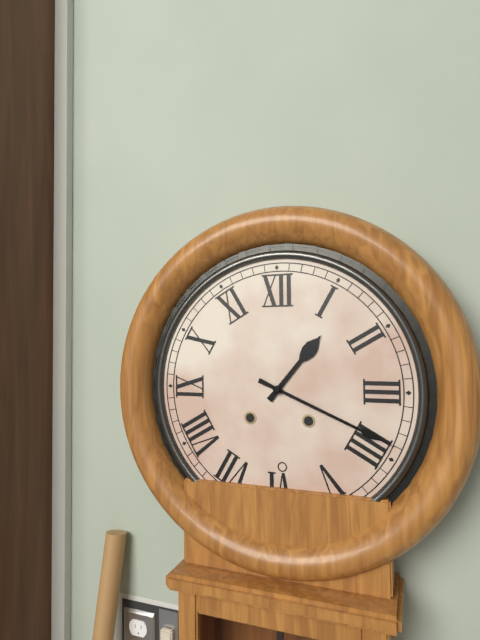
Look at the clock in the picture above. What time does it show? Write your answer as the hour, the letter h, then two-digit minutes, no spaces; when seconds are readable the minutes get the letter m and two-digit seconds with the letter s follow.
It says 1h19
